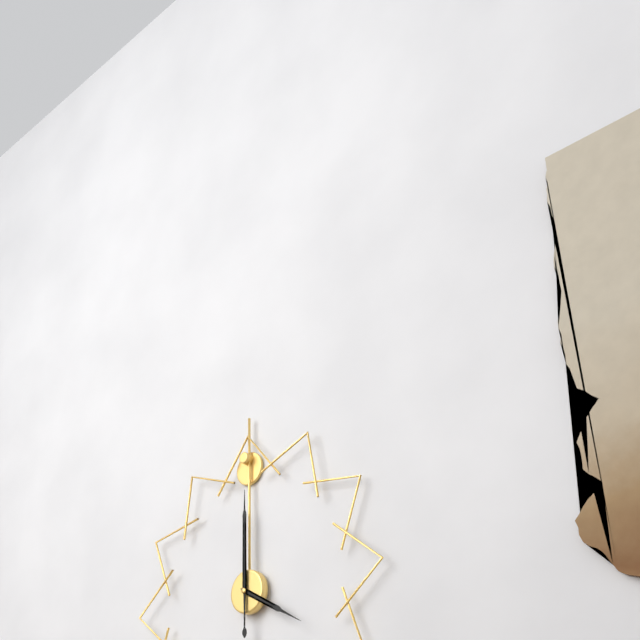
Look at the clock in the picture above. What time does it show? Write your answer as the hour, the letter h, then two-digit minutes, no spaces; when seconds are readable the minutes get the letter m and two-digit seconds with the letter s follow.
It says 4h00
